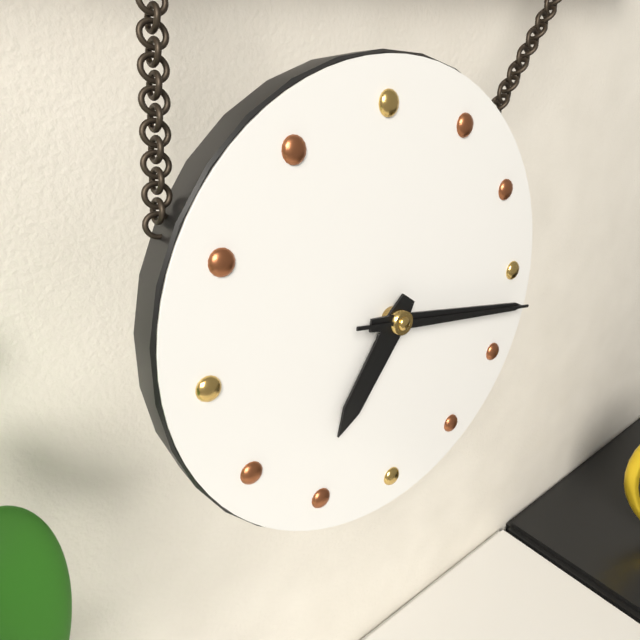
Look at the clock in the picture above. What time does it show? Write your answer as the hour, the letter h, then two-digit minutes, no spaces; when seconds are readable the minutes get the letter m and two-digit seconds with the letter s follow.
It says 7h17m17s
